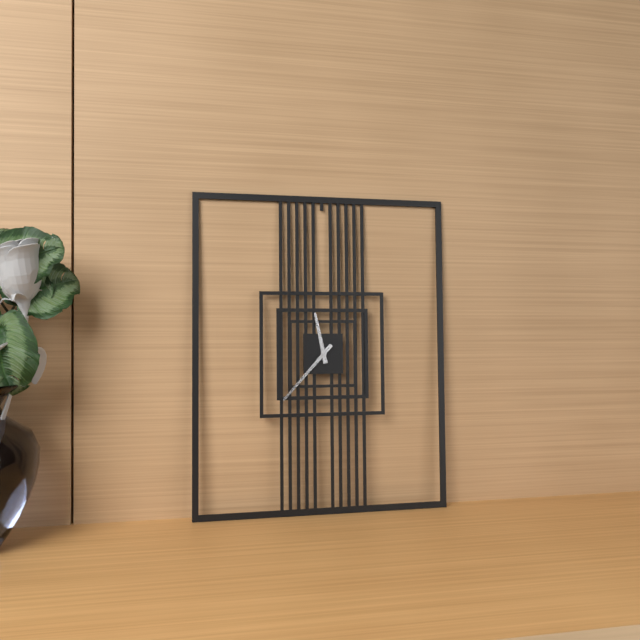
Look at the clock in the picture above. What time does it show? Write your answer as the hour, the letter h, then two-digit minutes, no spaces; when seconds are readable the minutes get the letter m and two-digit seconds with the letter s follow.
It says 11h37
